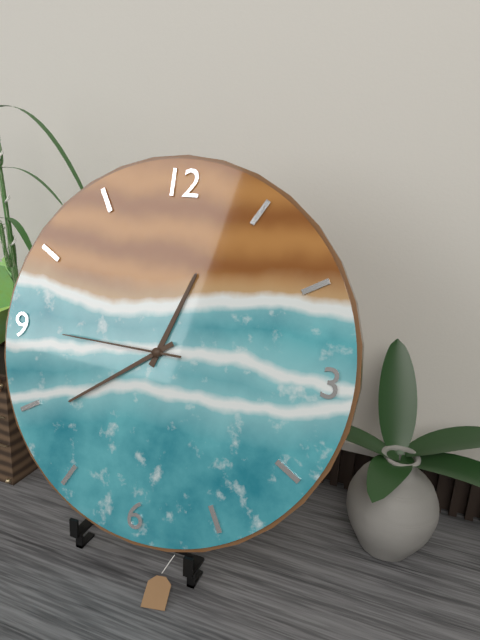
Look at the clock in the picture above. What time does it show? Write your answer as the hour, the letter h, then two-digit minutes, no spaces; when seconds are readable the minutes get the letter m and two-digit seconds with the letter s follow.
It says 12h39m45s
